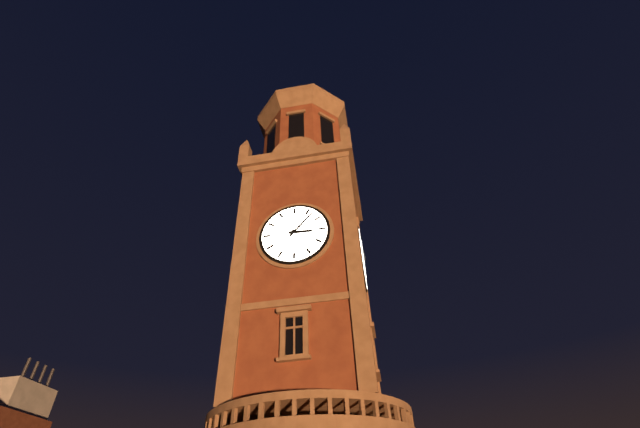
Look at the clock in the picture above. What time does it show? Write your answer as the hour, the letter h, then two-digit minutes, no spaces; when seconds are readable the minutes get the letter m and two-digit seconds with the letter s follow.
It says 3h07
